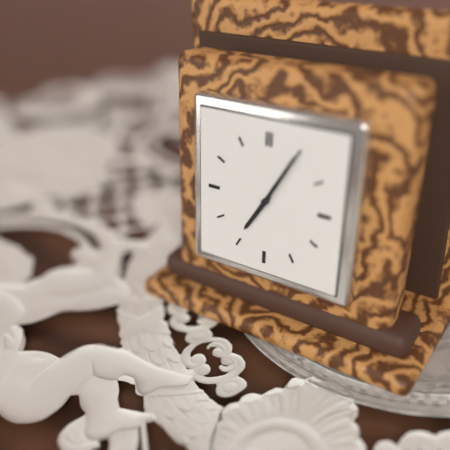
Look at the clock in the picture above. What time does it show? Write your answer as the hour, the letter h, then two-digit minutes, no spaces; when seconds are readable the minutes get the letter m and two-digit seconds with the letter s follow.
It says 7h05
